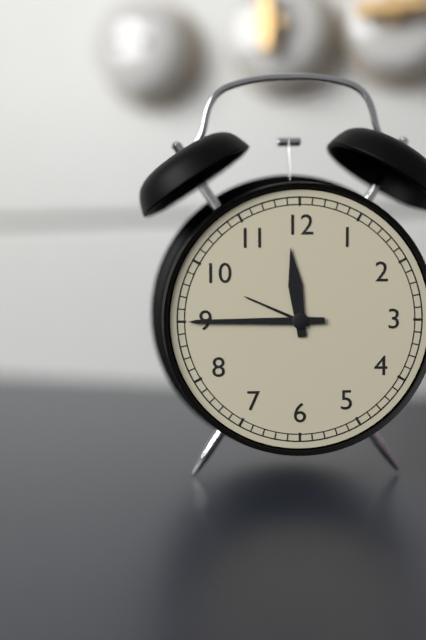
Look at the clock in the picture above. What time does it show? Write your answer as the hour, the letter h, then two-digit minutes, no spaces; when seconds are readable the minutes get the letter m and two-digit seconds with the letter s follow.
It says 11h45
